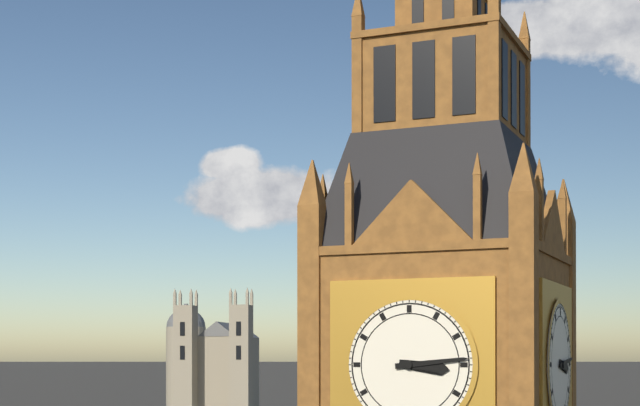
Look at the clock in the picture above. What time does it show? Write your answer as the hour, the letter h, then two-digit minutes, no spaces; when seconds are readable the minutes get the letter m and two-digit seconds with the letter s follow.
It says 3h14
